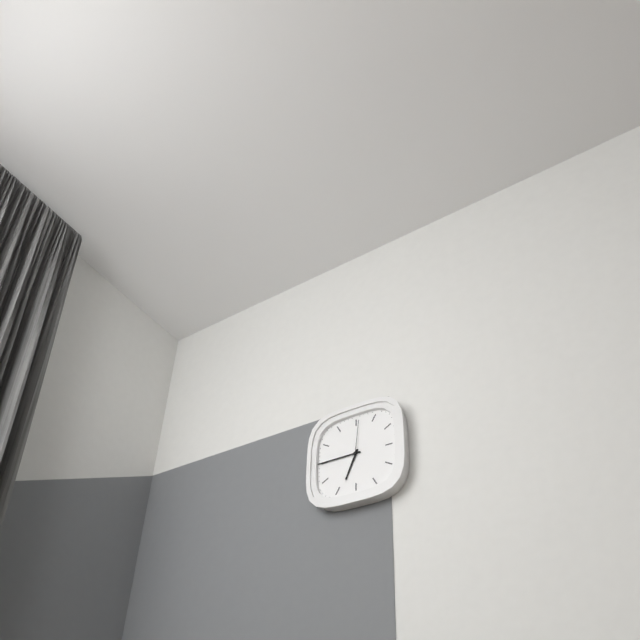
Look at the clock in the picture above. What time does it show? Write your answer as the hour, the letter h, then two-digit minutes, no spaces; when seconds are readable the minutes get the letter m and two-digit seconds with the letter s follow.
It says 6h45
